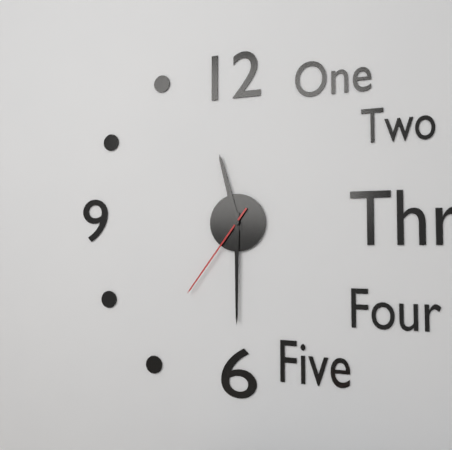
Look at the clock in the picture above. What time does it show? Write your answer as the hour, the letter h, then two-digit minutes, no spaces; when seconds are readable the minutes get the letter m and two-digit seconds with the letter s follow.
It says 11h30m36s
